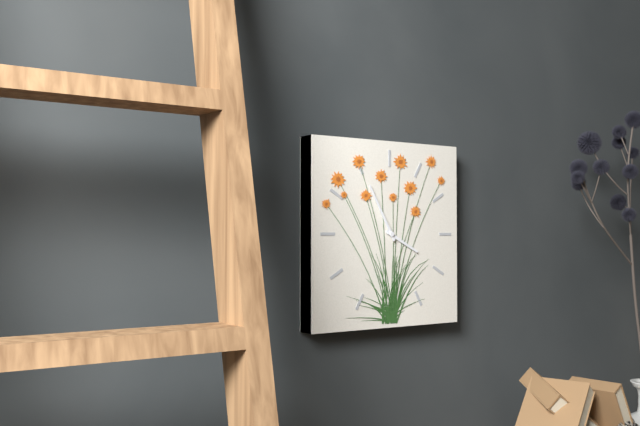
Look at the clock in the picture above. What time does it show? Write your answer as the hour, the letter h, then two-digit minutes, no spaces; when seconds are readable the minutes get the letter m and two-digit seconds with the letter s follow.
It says 3h55
